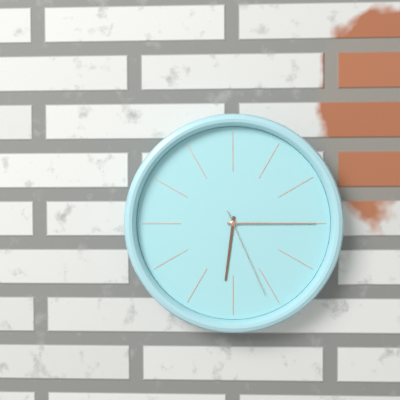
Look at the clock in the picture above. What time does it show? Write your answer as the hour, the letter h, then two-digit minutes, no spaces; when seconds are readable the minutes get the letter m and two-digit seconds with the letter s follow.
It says 6h15m26s
